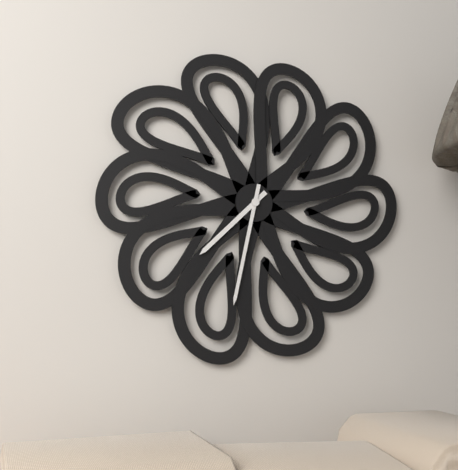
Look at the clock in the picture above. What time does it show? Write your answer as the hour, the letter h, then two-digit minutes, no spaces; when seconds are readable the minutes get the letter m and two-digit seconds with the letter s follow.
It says 7h32
